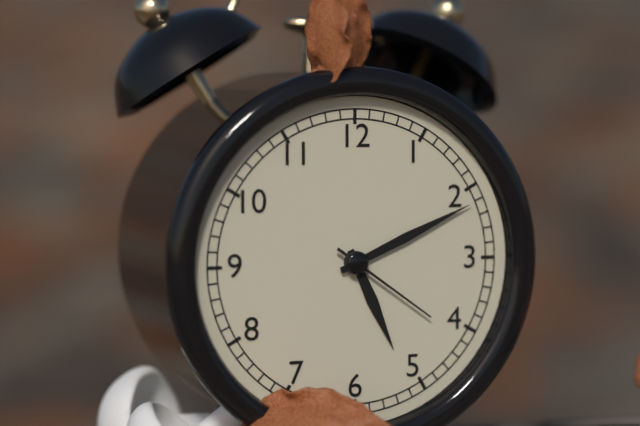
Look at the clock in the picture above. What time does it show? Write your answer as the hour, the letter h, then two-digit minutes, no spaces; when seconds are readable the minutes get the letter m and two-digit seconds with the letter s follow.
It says 5h11m21s
